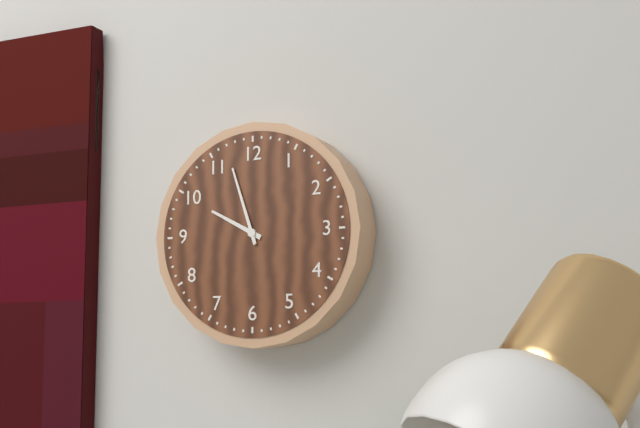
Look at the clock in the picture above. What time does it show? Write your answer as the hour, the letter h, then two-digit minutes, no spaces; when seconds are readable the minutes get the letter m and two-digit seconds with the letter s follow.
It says 9h57
